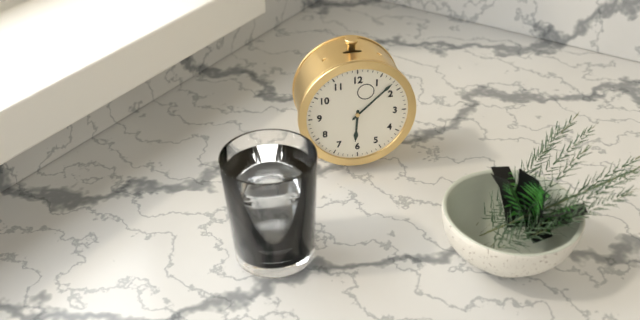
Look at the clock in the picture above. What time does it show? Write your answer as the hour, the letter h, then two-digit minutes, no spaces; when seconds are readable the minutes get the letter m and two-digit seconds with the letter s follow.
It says 6h08
